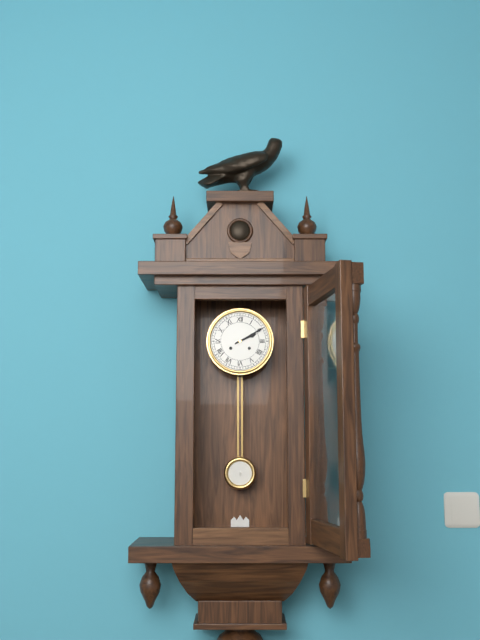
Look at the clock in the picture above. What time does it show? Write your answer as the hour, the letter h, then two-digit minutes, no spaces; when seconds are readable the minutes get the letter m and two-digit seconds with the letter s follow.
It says 2h10
